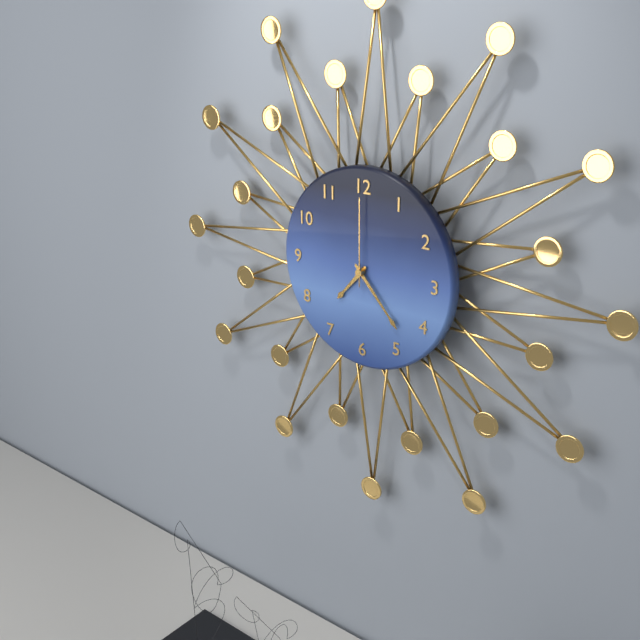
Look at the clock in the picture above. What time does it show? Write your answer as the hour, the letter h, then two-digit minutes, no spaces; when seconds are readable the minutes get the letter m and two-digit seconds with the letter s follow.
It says 7h23m00s
